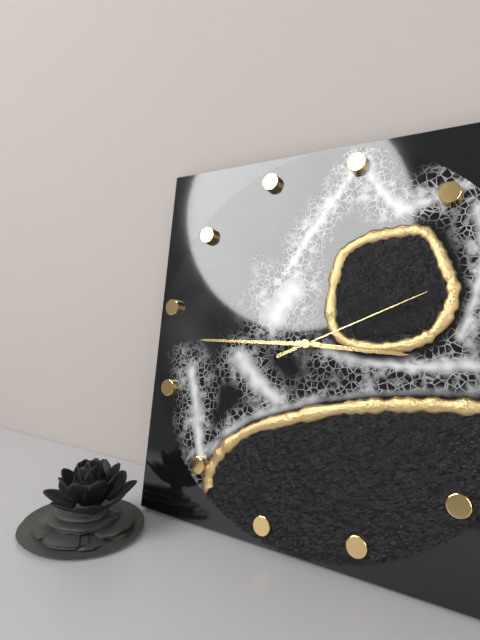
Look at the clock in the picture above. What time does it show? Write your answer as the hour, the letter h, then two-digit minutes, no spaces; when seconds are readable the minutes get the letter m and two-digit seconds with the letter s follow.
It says 2h43m09s
